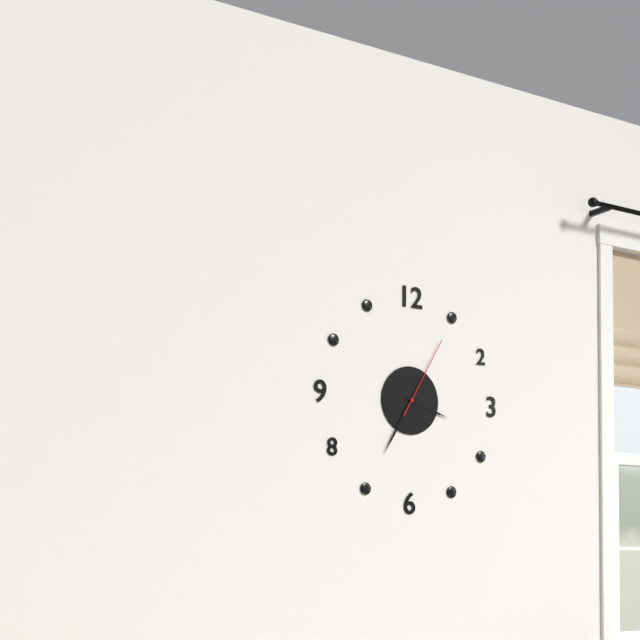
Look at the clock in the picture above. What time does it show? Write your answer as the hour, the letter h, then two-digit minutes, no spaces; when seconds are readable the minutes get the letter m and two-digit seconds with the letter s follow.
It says 3h35m05s
